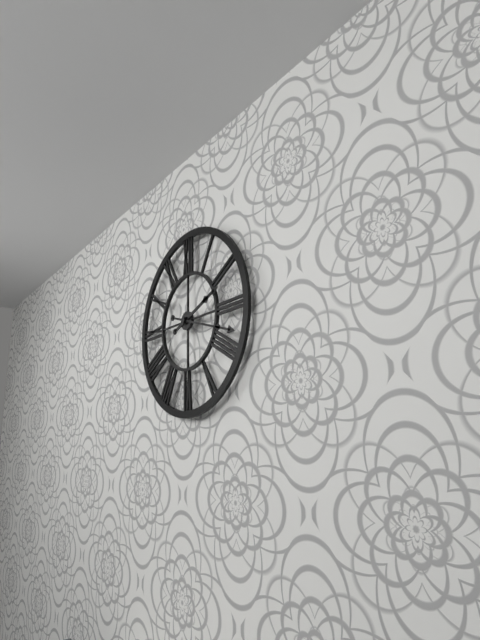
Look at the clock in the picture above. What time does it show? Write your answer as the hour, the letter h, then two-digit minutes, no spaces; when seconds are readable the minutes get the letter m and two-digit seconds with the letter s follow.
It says 2h18
